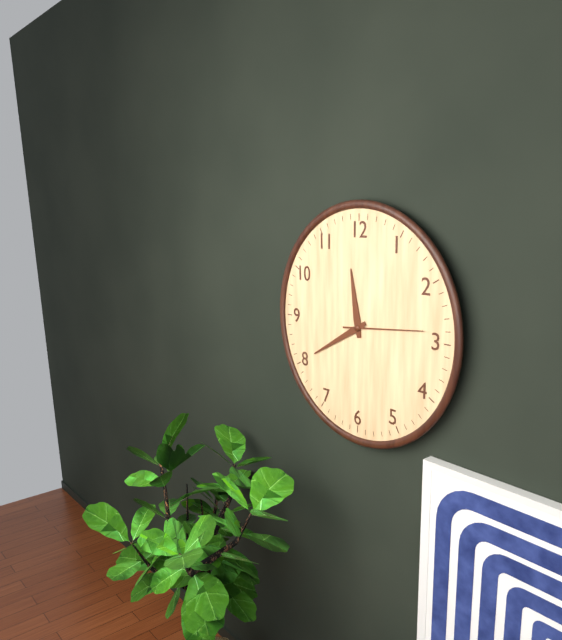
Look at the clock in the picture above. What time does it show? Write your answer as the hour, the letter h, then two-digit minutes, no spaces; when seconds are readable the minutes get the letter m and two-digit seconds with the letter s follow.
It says 11h40m14s
